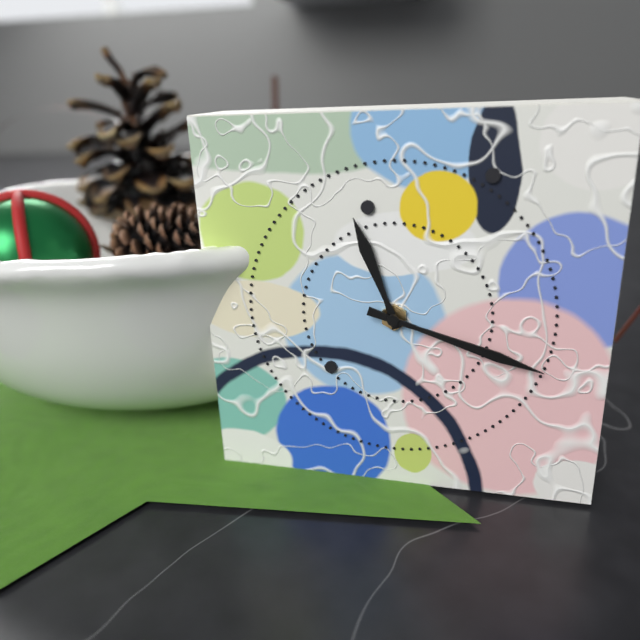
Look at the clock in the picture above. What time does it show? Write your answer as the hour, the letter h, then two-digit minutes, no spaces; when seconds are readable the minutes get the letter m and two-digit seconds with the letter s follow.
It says 11h18
